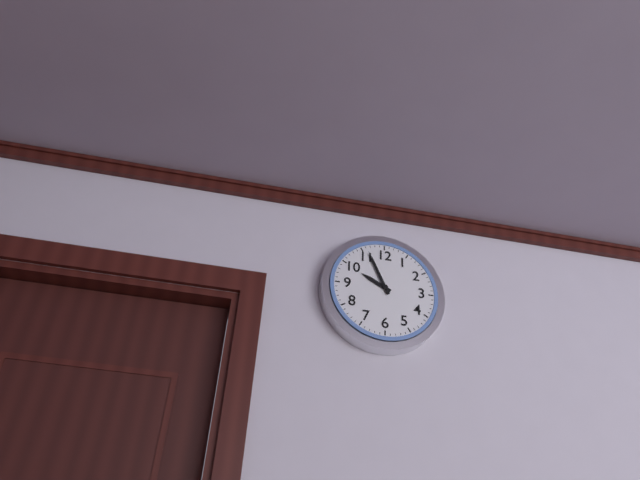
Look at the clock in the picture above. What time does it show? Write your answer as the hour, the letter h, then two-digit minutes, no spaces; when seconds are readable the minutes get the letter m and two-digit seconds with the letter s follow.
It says 9h56
